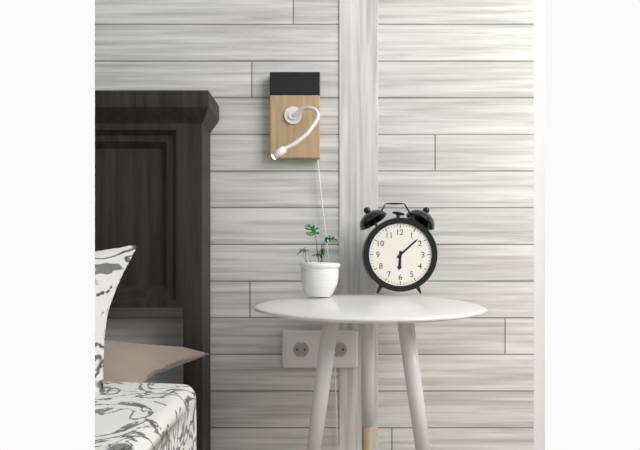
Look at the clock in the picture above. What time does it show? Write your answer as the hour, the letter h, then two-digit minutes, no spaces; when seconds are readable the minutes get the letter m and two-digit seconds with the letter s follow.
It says 6h08
